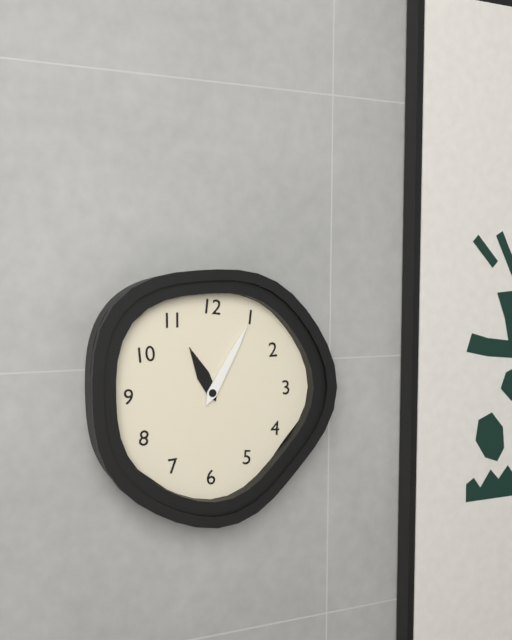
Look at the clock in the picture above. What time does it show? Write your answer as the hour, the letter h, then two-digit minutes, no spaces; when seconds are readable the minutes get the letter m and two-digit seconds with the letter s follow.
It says 11h05
